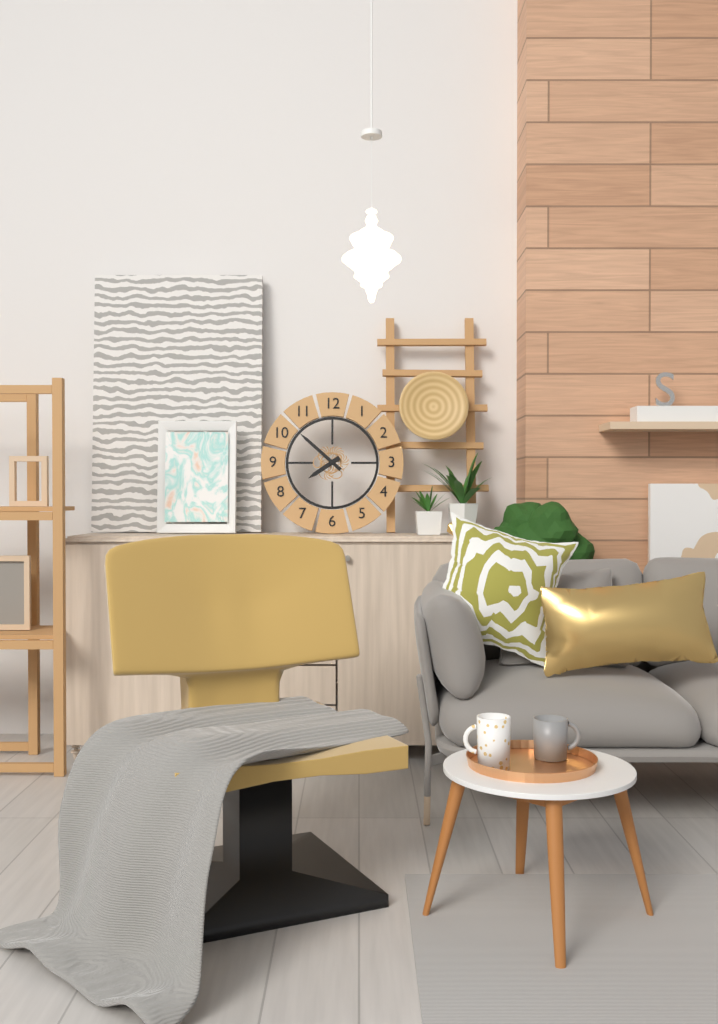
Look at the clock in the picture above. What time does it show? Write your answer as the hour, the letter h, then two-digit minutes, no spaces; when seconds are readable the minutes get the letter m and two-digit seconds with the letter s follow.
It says 7h52
